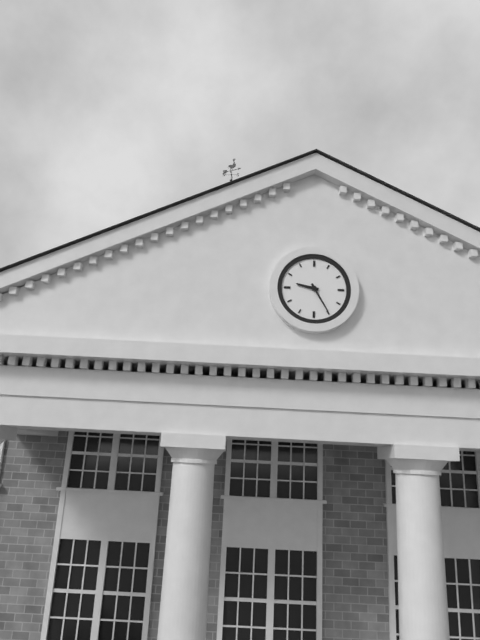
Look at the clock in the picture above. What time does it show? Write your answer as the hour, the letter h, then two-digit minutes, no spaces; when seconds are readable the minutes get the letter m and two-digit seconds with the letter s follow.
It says 9h25
